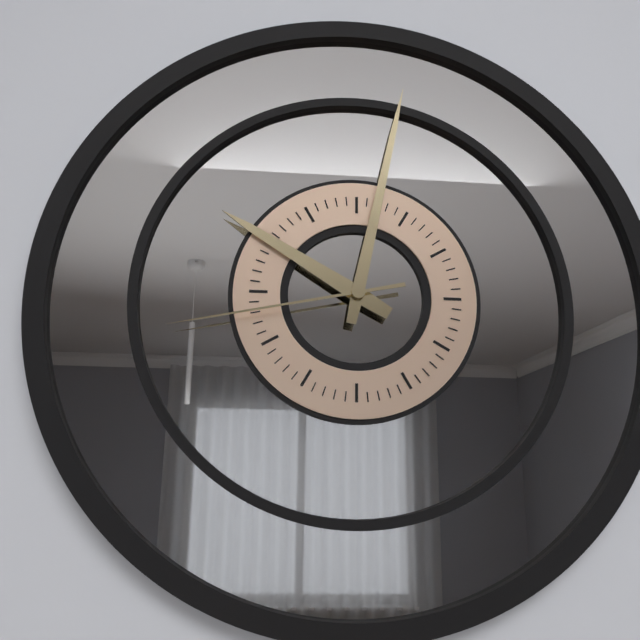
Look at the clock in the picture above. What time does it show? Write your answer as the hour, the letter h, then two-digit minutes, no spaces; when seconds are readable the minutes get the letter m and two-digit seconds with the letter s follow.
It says 10h02m43s
